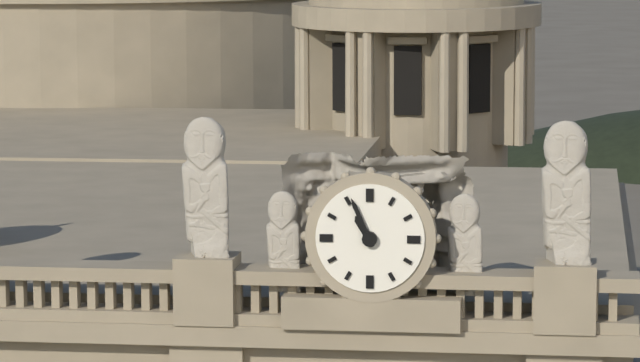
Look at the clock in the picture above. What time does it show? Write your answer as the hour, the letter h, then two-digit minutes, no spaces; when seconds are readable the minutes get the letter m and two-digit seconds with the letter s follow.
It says 10h56
